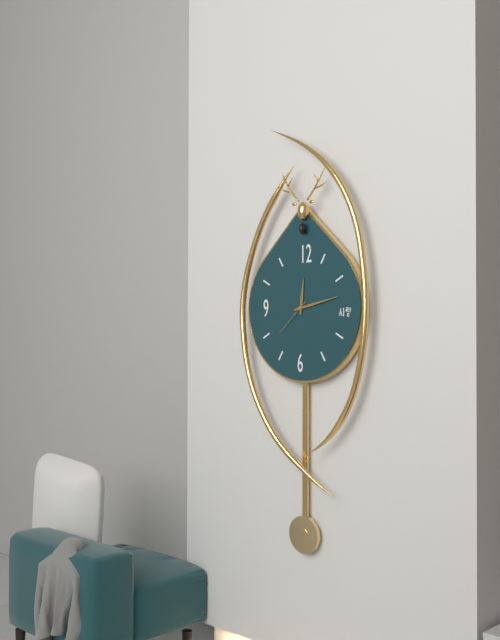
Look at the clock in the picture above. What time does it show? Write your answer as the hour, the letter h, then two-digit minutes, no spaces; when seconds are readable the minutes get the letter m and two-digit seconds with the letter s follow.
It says 12h13
